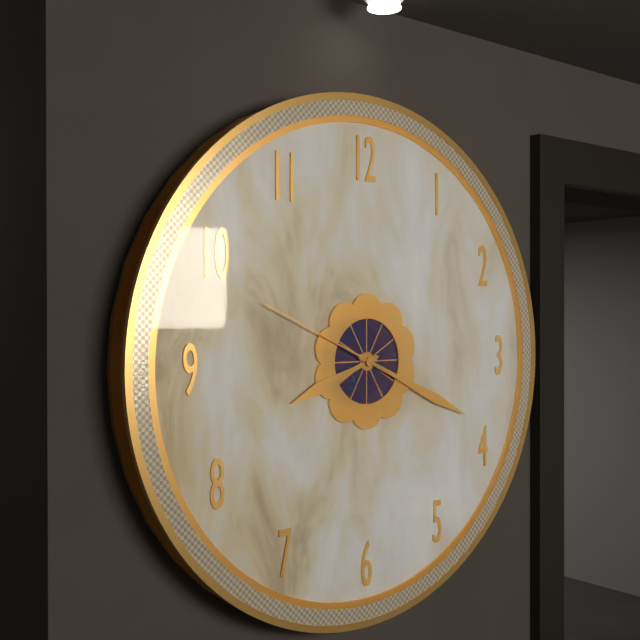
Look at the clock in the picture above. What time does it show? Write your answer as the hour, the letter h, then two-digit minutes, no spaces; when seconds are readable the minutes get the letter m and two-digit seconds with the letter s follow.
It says 8h19m49s
